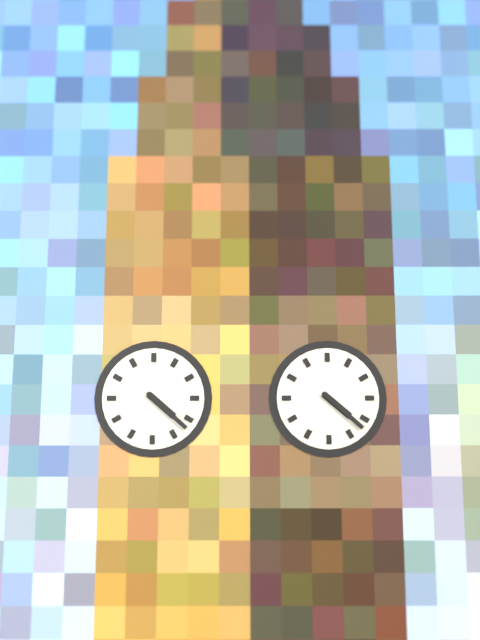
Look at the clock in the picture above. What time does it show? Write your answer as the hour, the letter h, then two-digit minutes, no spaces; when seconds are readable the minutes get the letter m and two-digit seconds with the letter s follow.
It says 4h22
